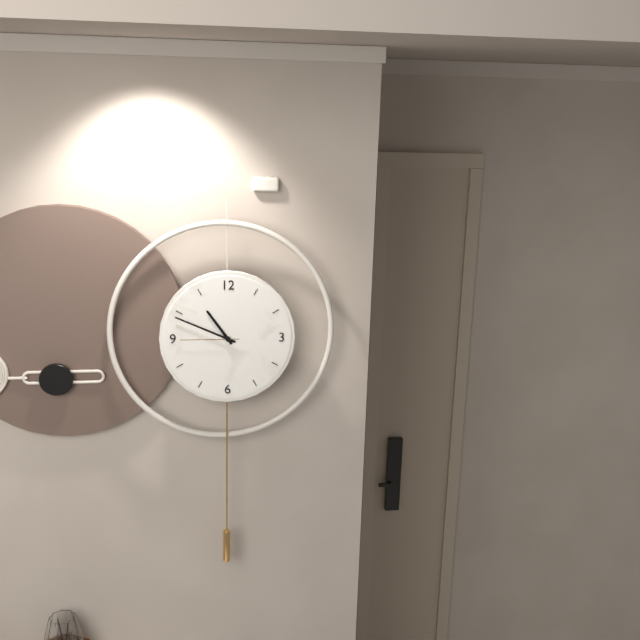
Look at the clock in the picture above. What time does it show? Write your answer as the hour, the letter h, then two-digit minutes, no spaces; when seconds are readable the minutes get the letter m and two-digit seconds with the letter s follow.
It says 10h49m45s
